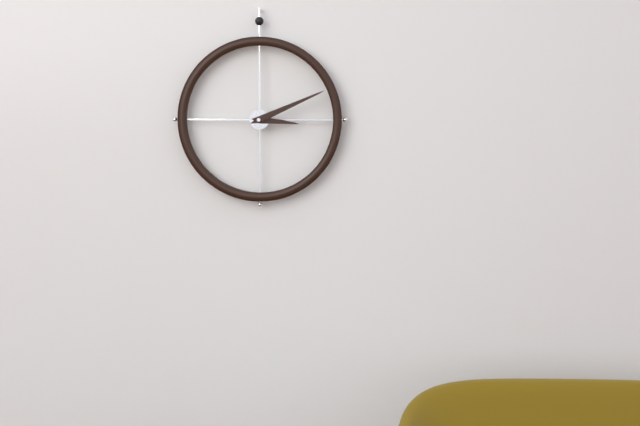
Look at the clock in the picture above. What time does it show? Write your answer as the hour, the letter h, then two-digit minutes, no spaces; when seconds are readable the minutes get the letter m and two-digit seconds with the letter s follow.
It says 3h11
